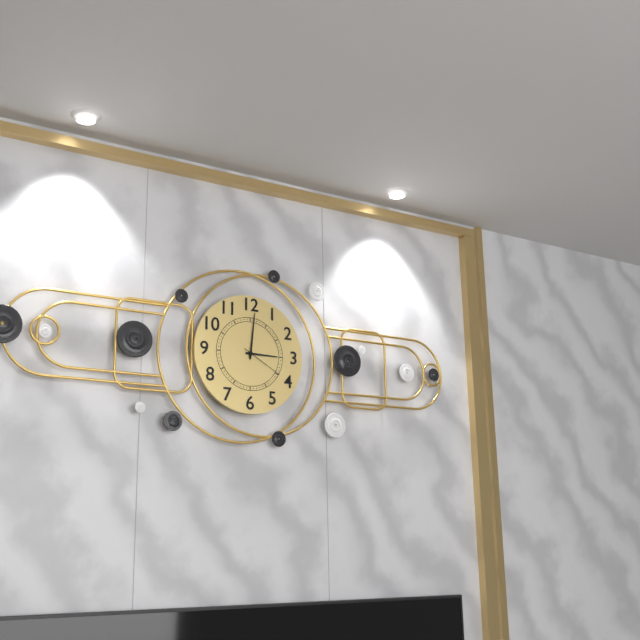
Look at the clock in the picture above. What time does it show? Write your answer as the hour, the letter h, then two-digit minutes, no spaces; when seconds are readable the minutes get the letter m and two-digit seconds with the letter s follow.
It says 3h01
